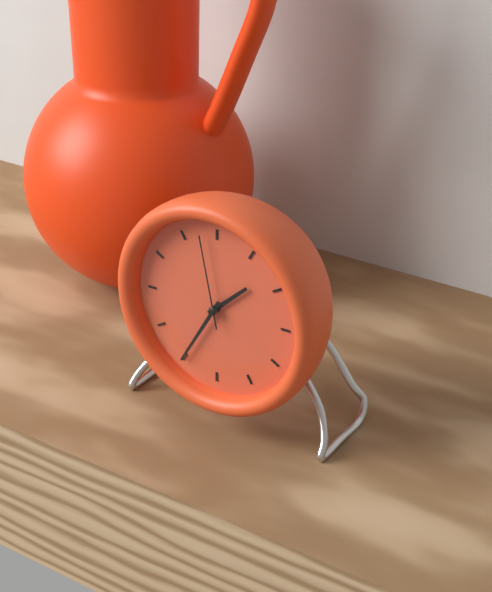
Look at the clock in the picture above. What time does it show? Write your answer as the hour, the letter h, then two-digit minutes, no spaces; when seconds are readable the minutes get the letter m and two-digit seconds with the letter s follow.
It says 1h35m58s
